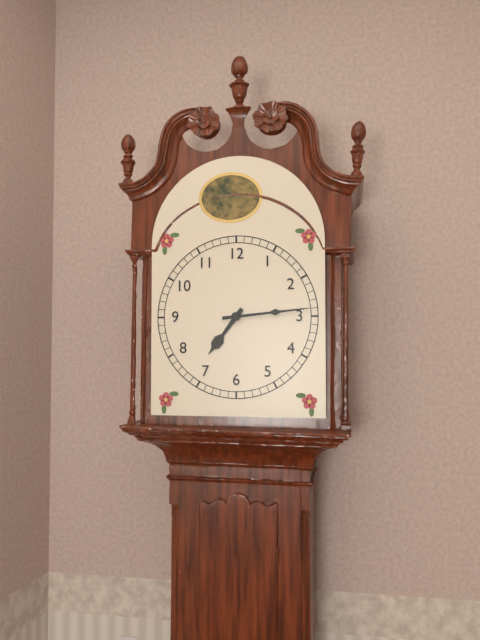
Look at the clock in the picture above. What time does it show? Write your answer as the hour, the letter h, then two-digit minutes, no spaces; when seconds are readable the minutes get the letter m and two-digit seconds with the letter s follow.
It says 7h14
